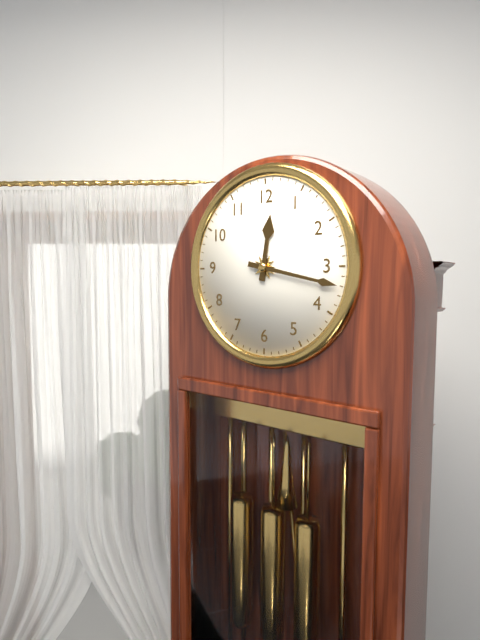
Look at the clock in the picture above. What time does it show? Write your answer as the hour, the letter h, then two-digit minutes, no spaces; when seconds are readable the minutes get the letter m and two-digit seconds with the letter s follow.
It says 12h17
